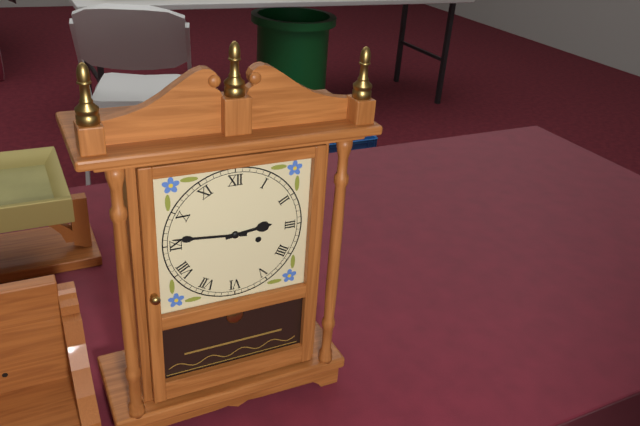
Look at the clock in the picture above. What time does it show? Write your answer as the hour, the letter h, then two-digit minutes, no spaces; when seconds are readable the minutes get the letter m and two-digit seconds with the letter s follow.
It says 2h46
